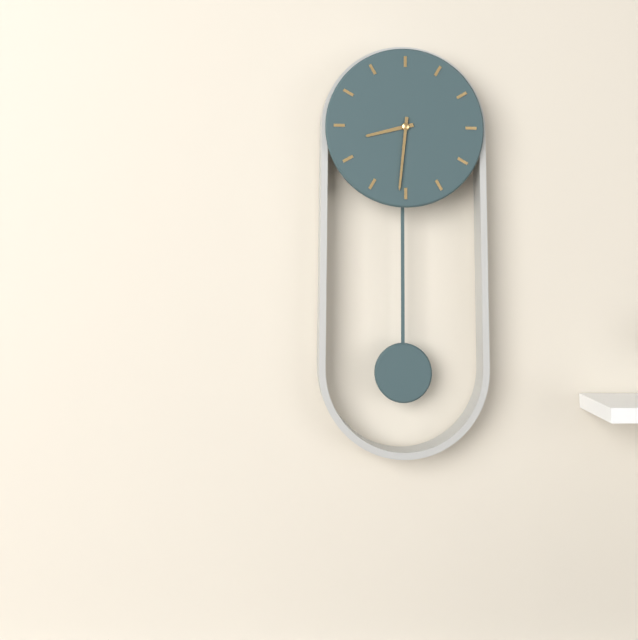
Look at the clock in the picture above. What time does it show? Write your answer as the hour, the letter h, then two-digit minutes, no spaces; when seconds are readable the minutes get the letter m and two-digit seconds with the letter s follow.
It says 8h31
